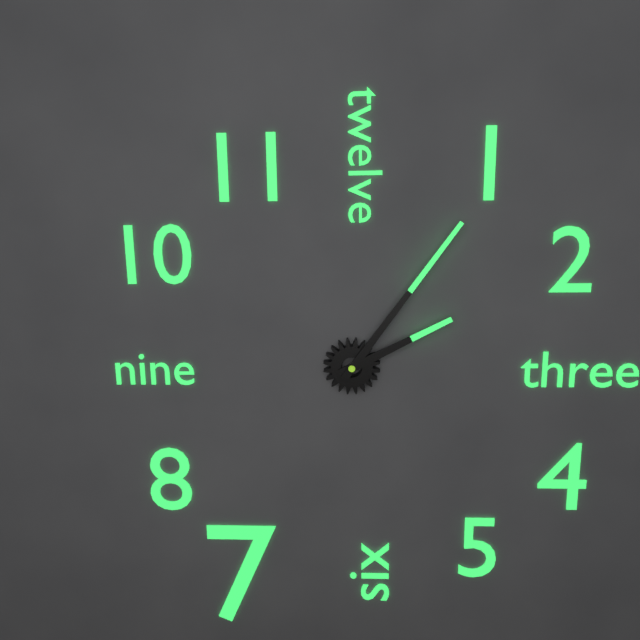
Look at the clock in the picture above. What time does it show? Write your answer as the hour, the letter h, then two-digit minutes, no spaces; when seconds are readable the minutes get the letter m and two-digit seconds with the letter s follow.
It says 2h06
